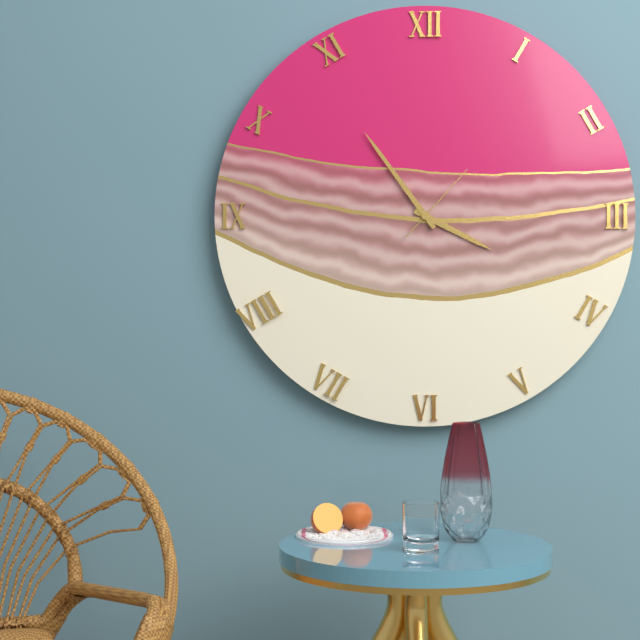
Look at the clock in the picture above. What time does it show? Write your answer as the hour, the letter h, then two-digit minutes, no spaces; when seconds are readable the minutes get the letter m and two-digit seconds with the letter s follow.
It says 3h54m07s
